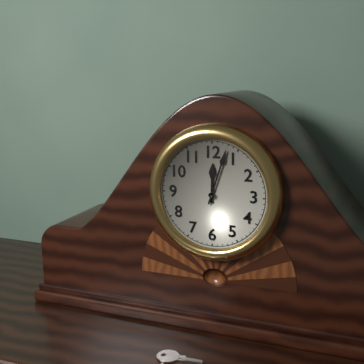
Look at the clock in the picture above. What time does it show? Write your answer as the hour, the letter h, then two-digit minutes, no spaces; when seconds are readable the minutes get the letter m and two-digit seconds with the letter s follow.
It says 12h03
